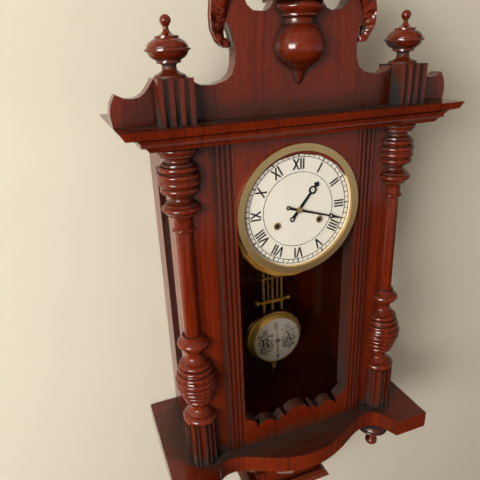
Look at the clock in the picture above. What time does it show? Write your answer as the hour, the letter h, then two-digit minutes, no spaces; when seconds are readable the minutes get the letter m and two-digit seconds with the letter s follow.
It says 1h18
